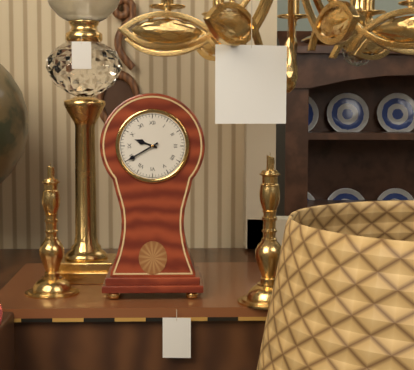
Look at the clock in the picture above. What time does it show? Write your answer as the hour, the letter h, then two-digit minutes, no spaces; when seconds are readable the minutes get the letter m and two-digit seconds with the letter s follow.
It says 9h40
